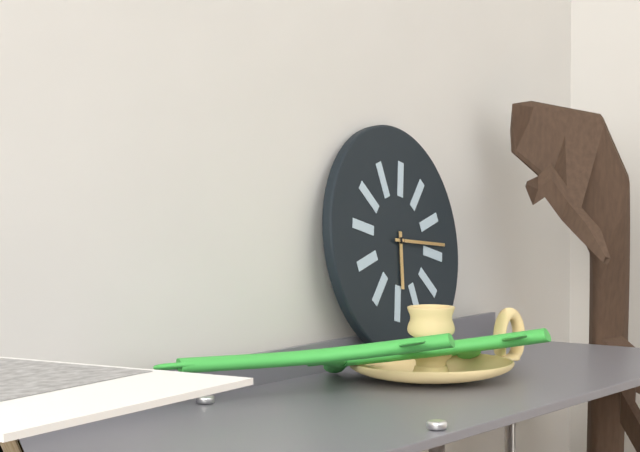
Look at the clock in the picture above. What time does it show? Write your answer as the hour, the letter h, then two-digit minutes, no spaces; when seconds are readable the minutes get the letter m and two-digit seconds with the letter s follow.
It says 6h16
